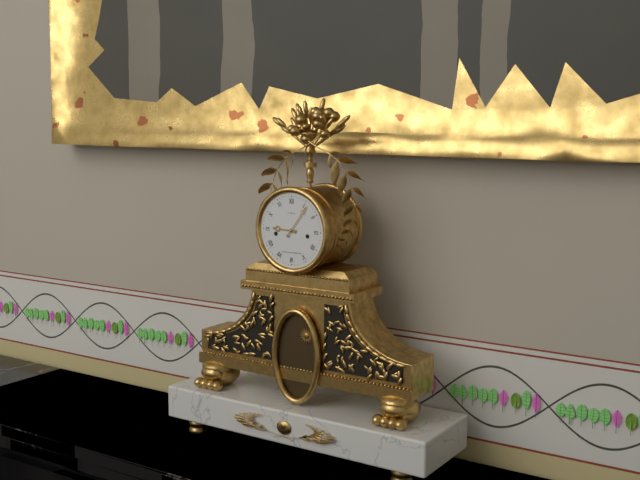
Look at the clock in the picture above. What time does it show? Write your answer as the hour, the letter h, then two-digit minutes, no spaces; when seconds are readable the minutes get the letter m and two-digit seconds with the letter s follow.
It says 9h06
